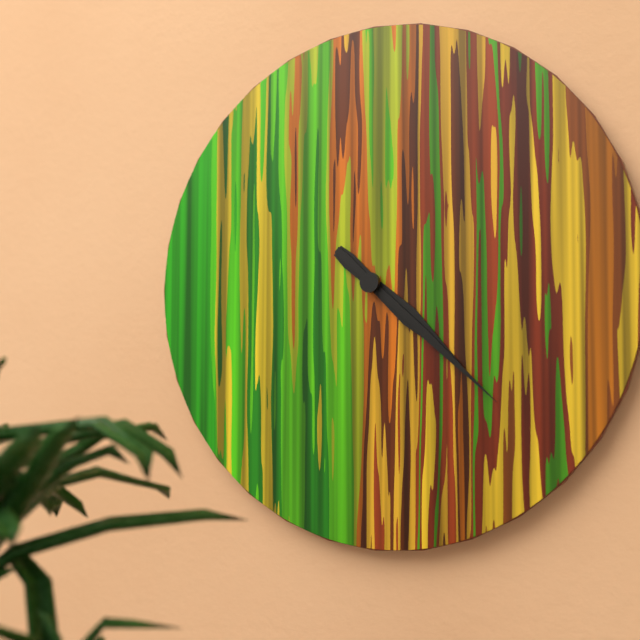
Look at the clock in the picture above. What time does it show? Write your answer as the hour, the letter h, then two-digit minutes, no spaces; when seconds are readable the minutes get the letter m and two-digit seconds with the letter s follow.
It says 4h22
